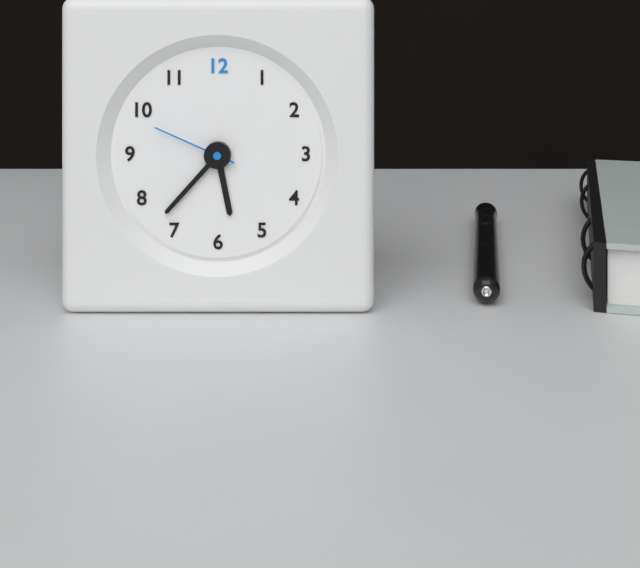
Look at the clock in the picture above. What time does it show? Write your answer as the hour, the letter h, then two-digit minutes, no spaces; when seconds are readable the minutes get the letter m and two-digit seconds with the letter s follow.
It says 5h37m49s
